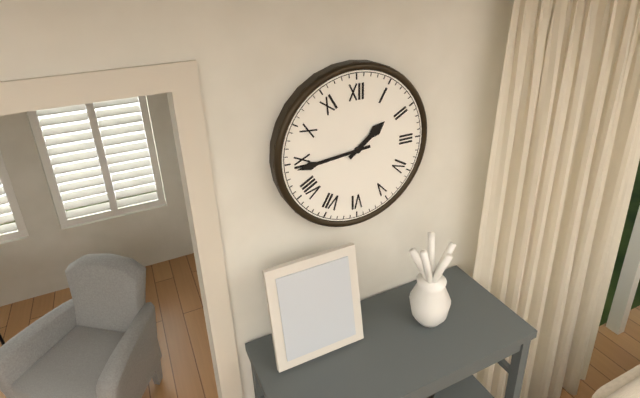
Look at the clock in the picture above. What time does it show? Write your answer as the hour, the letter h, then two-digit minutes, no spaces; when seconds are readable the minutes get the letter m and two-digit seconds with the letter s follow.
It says 1h44
